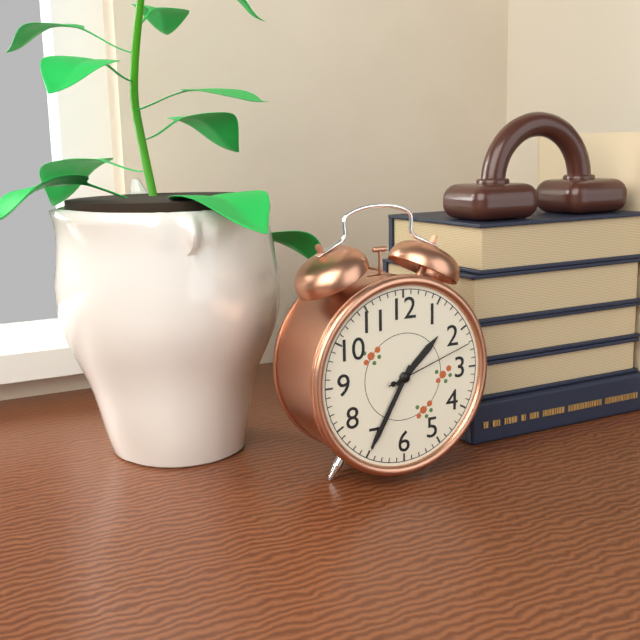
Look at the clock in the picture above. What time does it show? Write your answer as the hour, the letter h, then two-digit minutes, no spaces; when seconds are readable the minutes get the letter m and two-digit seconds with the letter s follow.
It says 1h35m12s
